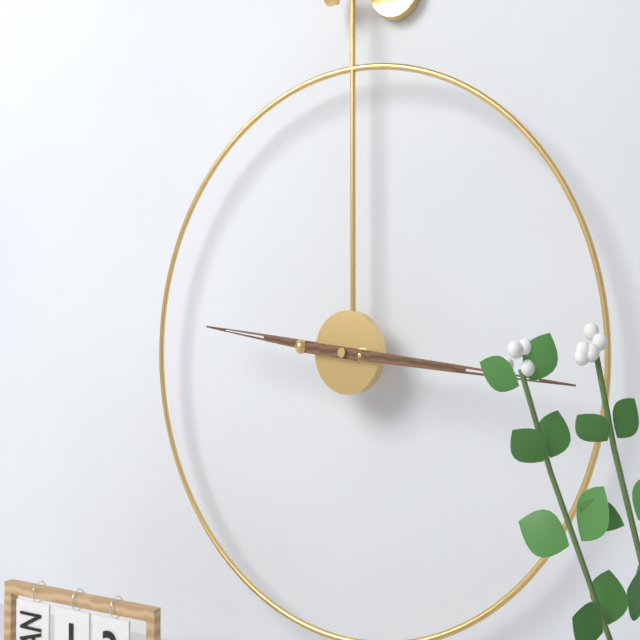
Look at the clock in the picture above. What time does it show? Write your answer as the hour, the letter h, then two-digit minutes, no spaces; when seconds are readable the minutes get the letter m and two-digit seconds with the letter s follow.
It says 9h16
